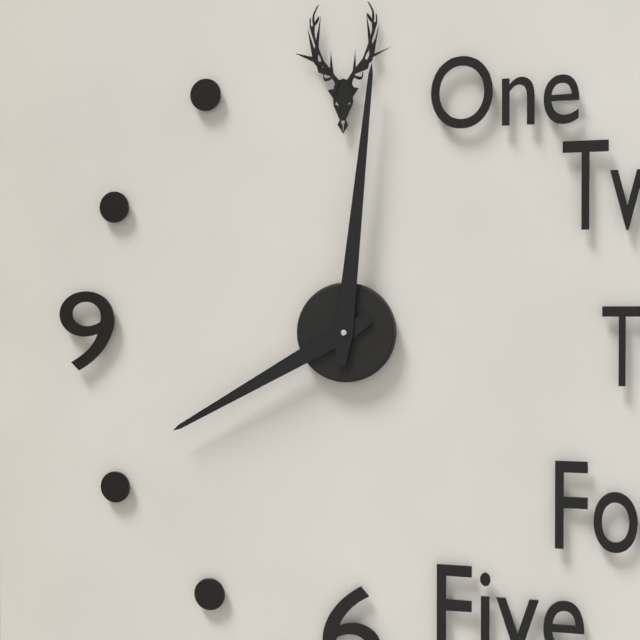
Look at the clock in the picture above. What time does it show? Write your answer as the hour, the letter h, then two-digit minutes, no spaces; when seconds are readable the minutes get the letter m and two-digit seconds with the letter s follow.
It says 8h01
